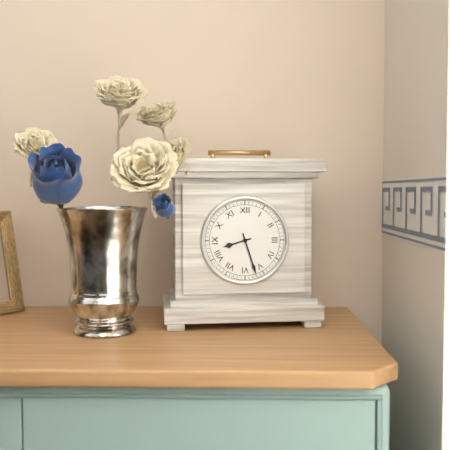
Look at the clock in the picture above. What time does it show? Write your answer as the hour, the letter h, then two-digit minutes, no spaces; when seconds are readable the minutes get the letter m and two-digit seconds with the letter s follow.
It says 8h27
